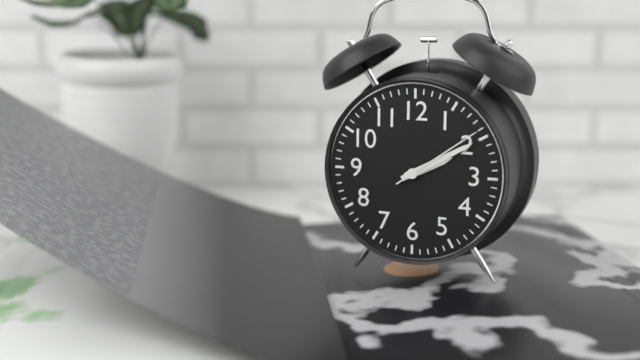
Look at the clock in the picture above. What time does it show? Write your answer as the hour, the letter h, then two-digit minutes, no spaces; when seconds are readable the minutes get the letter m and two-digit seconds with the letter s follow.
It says 2h10m09s
